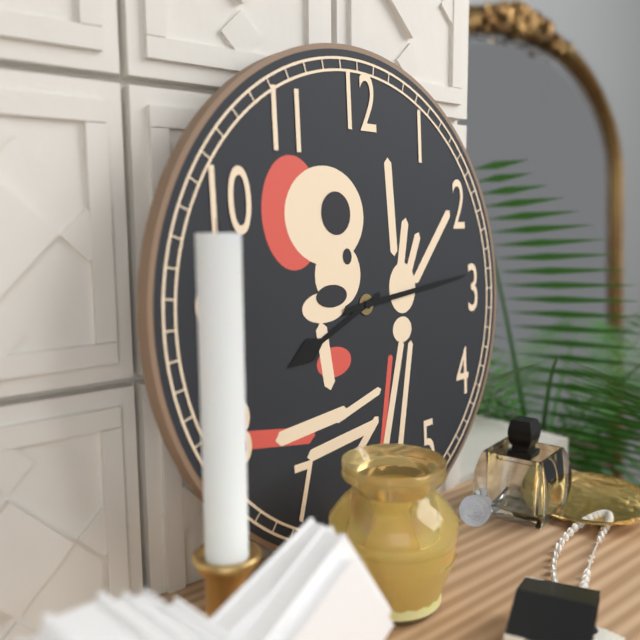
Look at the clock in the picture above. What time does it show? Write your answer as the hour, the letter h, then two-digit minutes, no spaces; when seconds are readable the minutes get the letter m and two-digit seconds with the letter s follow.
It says 8h14
